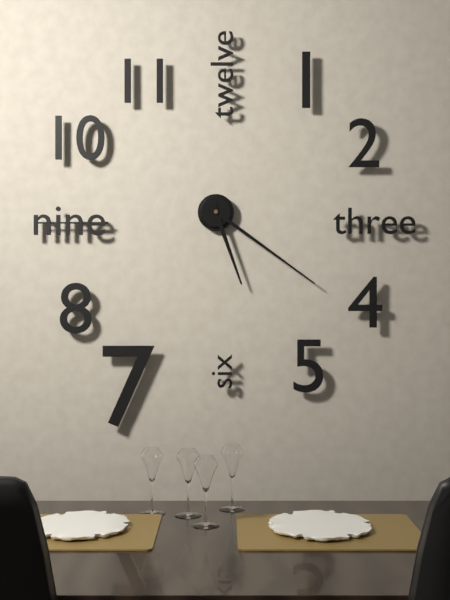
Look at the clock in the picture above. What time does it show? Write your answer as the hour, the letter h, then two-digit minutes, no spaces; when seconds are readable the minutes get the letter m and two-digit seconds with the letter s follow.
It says 5h21
